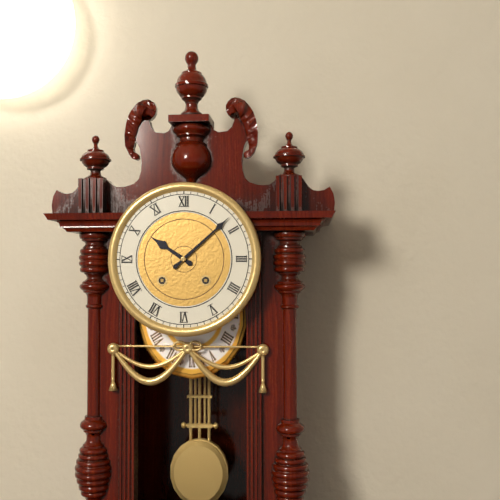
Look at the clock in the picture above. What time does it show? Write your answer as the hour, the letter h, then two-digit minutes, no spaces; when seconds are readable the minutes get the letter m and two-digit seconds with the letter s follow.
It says 10h08
